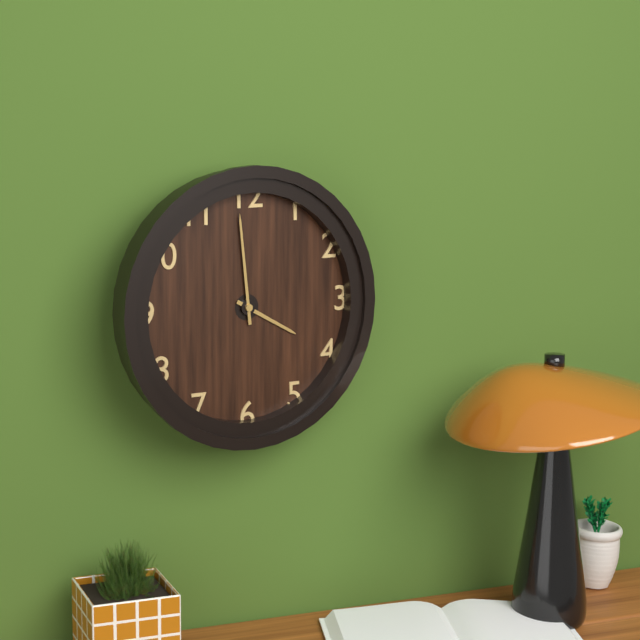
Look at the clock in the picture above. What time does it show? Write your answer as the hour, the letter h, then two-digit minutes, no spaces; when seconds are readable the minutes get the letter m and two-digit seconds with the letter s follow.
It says 3h59
